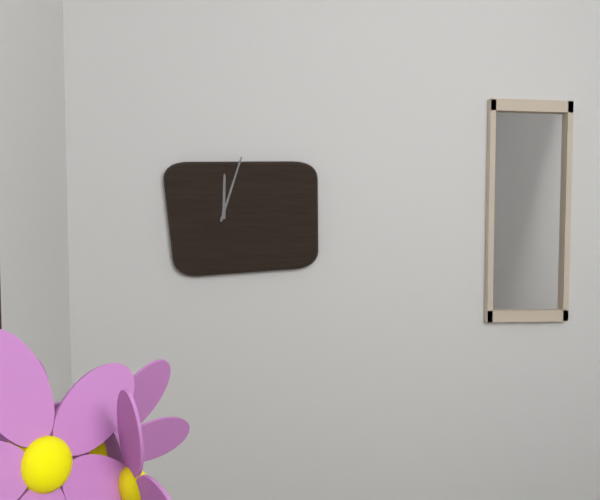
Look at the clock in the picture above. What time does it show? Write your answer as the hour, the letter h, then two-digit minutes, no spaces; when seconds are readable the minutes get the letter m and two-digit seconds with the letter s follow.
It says 12h03
